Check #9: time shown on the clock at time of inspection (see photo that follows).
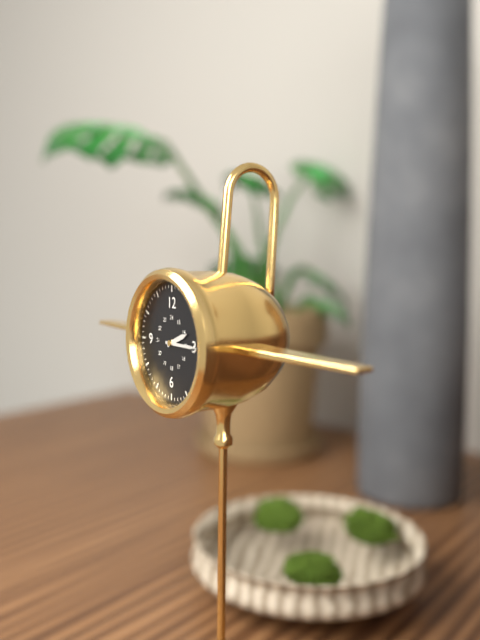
2:15
